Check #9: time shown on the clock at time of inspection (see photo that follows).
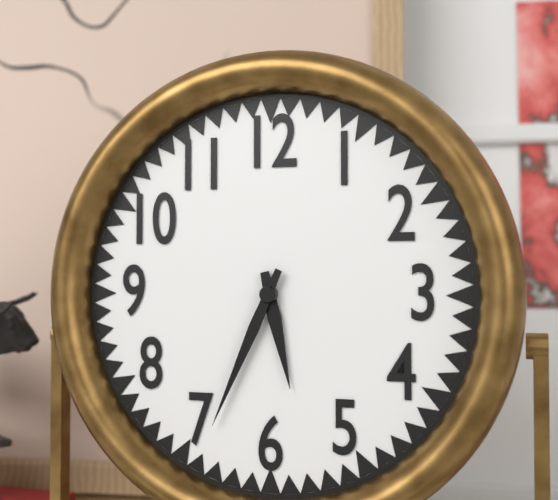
5:34
